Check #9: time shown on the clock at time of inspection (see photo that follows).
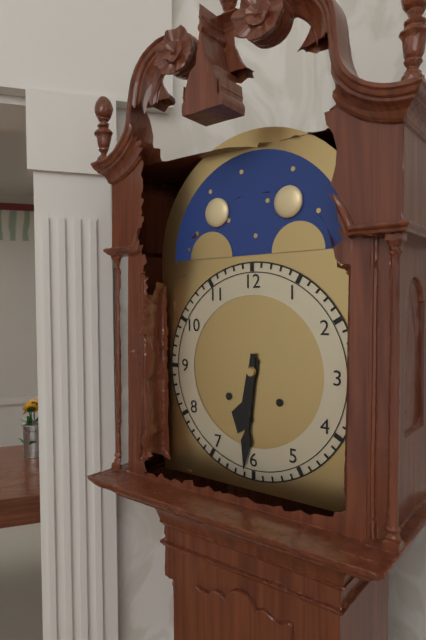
6:31
